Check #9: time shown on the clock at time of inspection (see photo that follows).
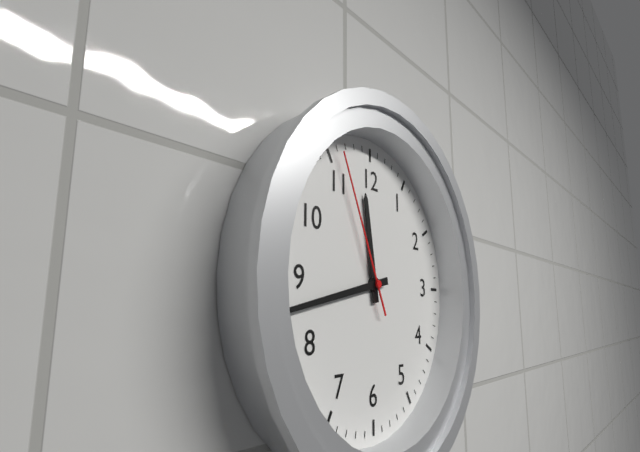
11:43:56
